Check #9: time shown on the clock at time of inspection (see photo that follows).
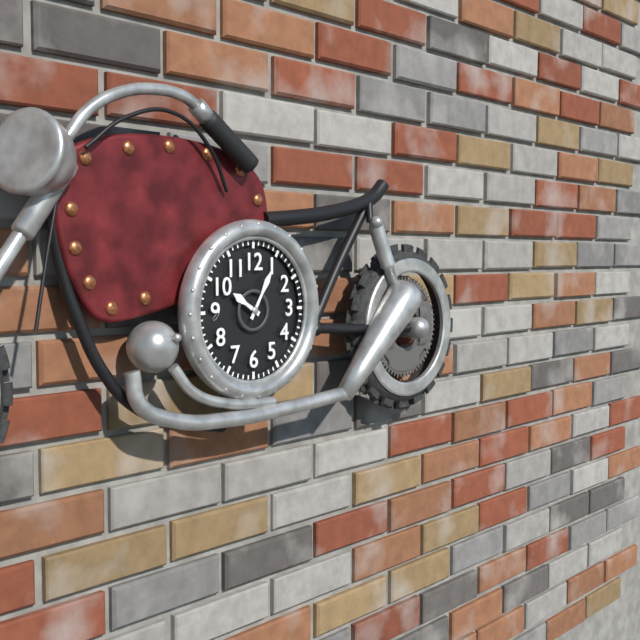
10:05
